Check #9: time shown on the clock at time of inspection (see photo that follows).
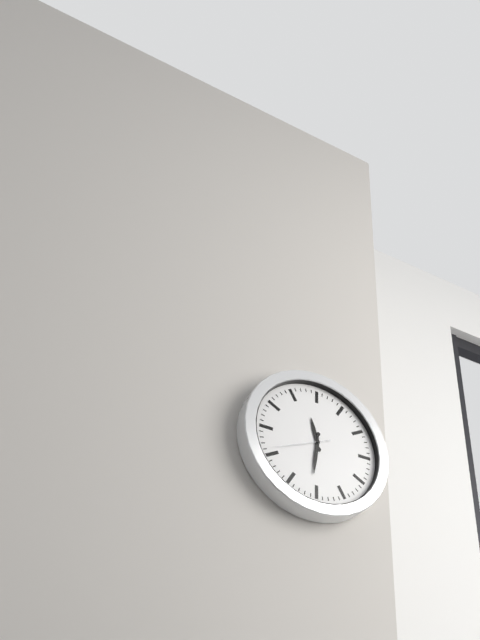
11:31
